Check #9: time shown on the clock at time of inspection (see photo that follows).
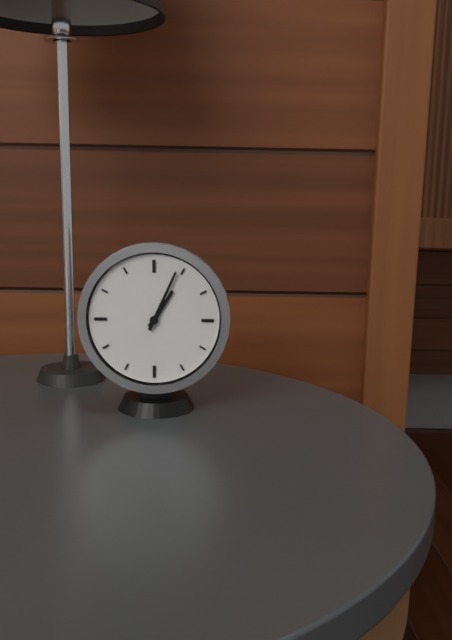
1:04
